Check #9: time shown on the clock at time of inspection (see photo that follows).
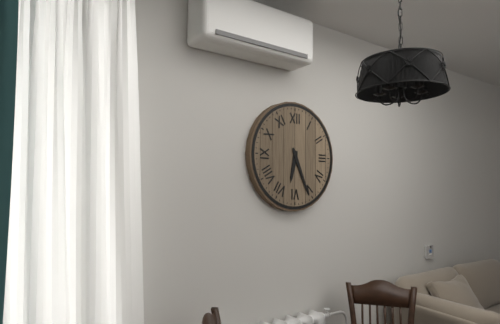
6:26
